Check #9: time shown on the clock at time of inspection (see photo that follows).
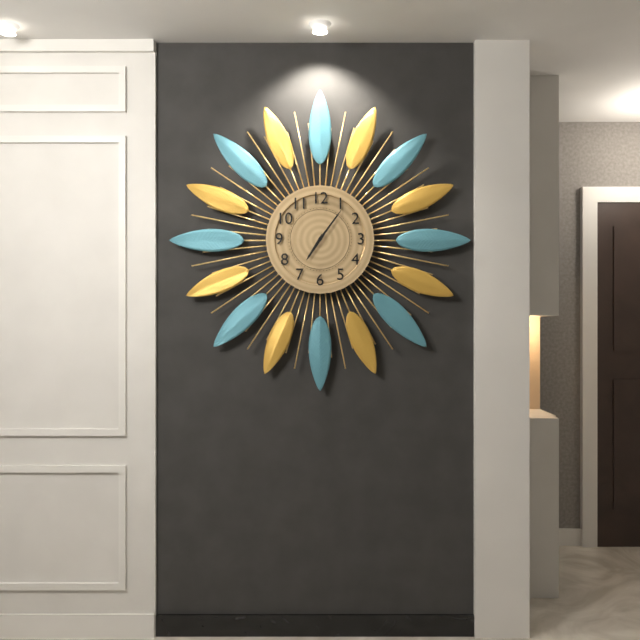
7:06
